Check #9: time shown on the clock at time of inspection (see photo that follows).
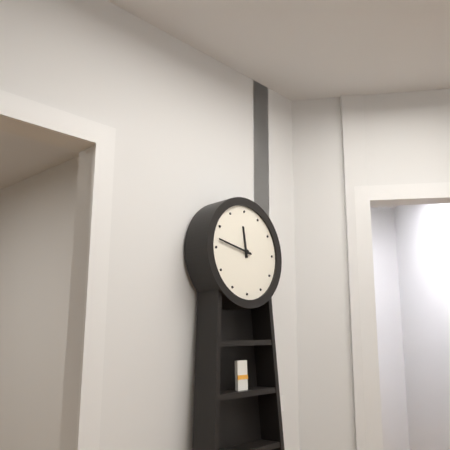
11:47
